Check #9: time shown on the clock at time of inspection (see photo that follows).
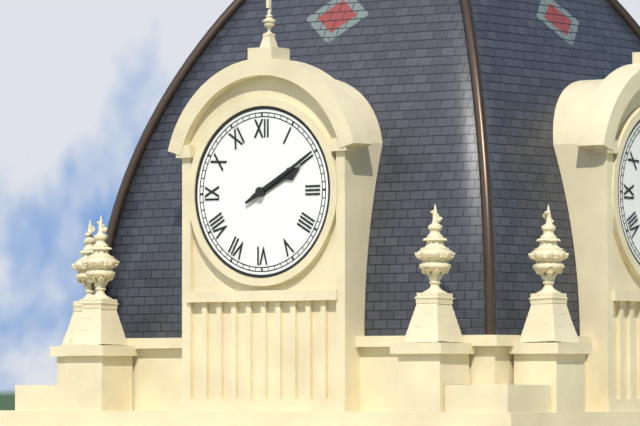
2:10
